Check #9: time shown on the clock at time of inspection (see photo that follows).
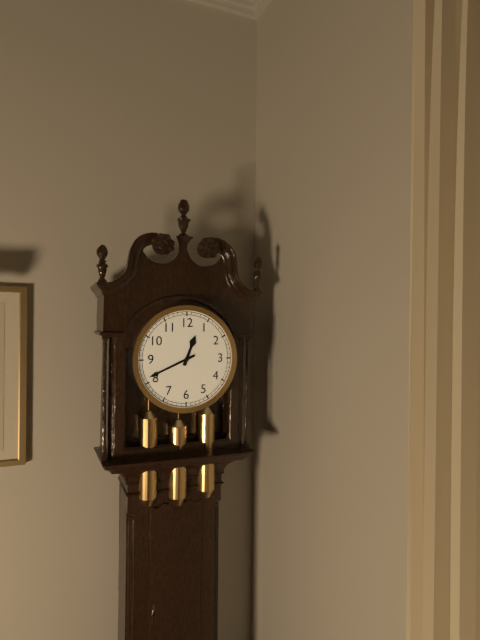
12:41
